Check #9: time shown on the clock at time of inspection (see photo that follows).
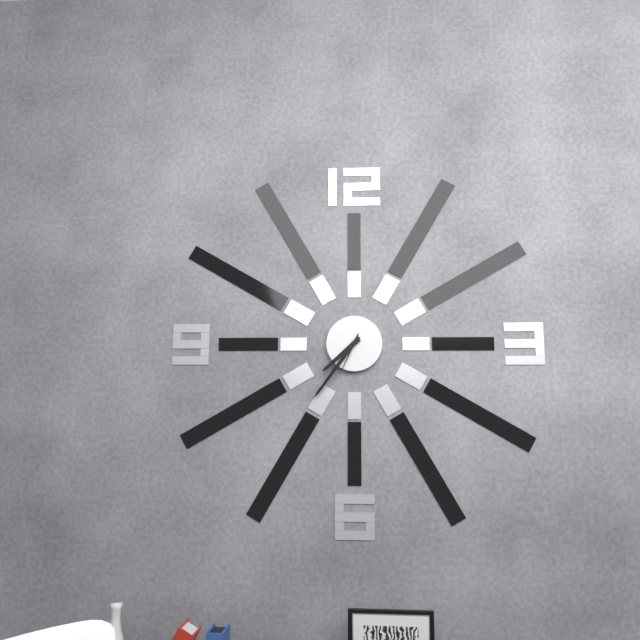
7:36
